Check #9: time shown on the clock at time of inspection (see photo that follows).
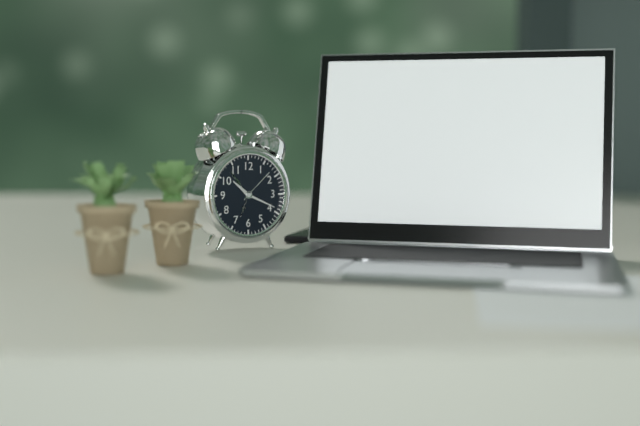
10:19
